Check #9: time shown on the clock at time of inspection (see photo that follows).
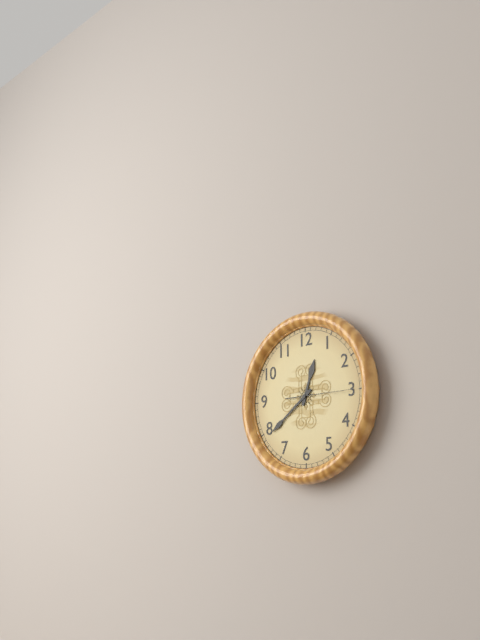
12:39:15
